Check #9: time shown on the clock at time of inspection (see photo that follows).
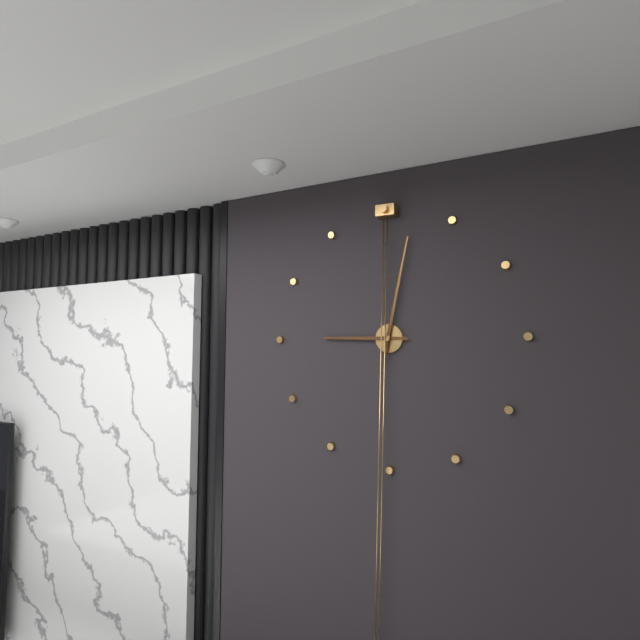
9:02
